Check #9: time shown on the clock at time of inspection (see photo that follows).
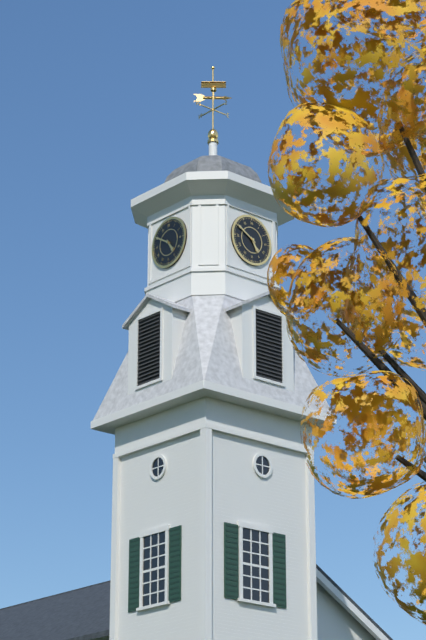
4:50
